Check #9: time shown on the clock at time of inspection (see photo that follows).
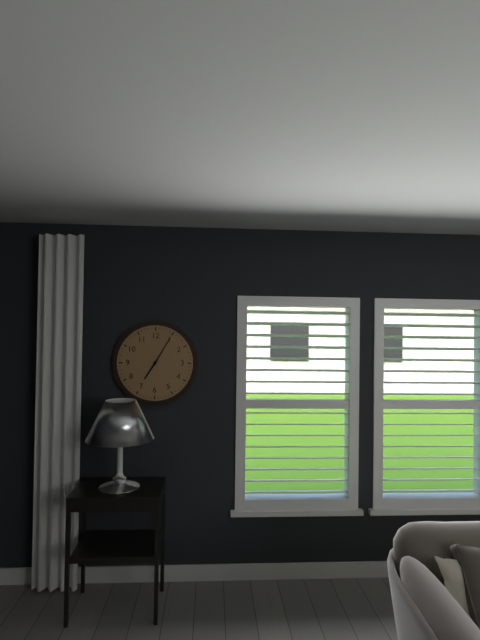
7:05
